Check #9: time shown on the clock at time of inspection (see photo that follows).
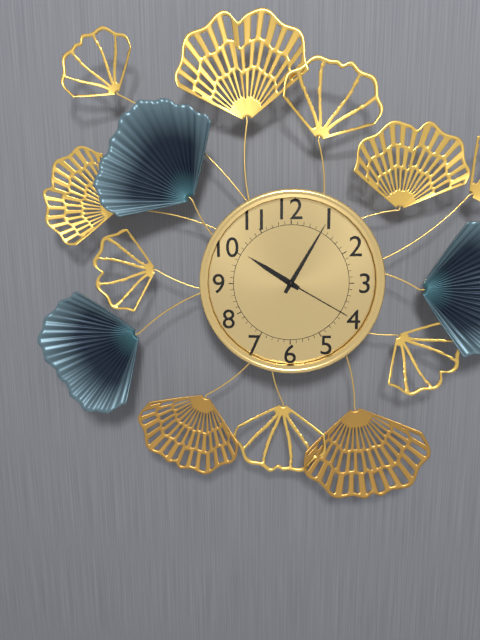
10:05:20
